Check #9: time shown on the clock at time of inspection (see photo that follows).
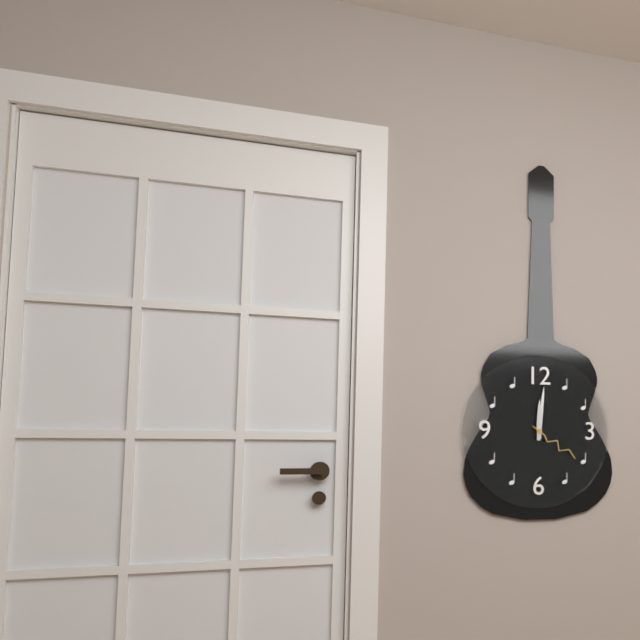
12:01:21
